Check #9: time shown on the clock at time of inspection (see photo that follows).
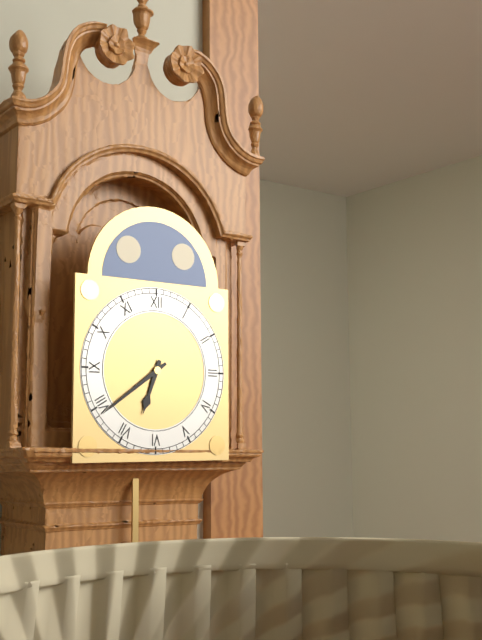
6:39
